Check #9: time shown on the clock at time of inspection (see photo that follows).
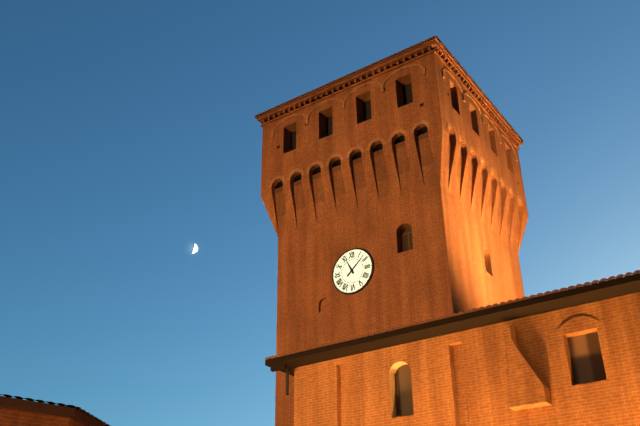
11:08
